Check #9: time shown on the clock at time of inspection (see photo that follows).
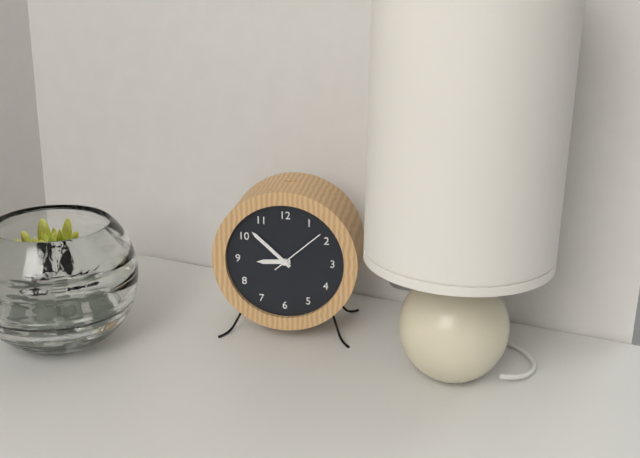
8:52:08
